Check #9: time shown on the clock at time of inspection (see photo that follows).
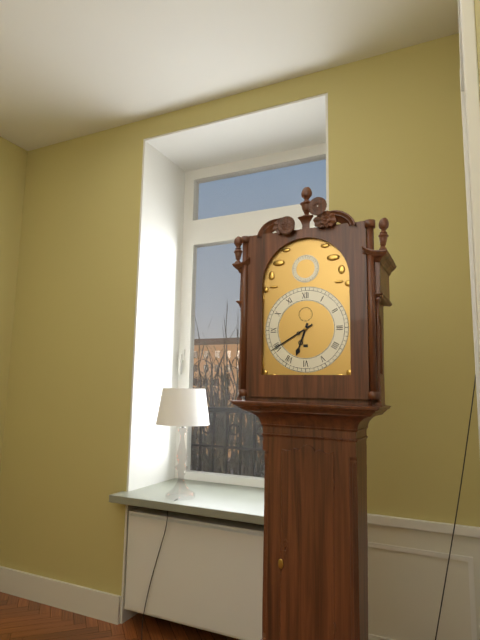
6:40
